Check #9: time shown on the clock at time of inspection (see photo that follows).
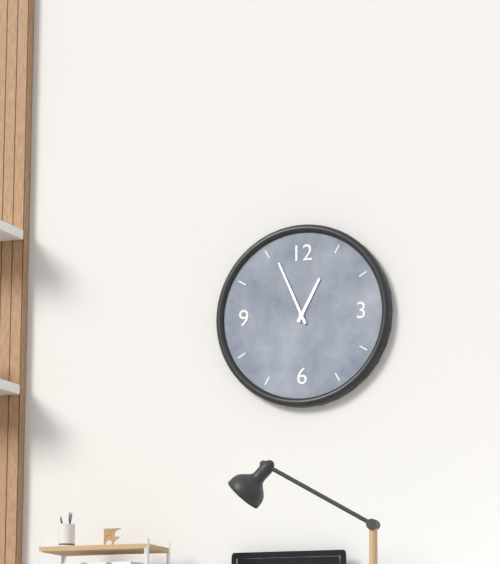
12:56
